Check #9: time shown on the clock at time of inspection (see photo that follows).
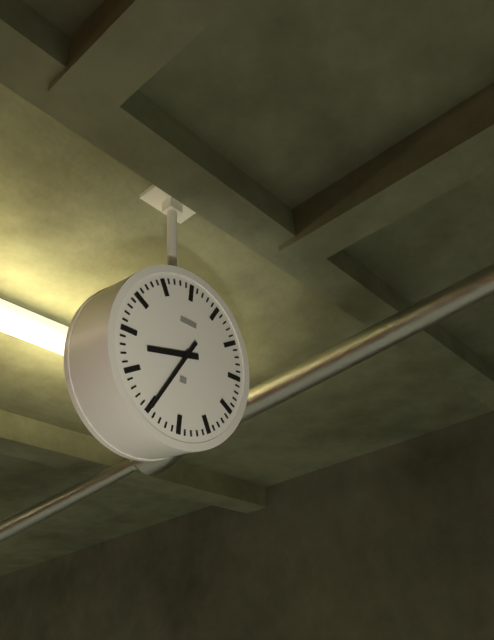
8:35
